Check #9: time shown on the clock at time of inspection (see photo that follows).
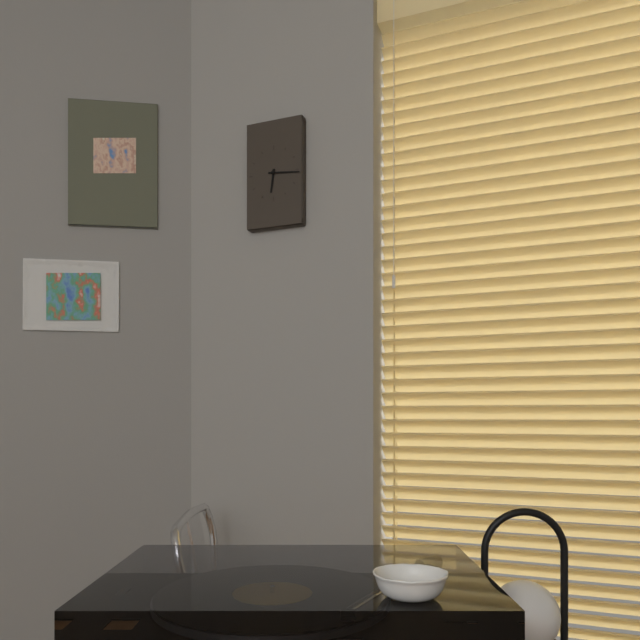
6:16
